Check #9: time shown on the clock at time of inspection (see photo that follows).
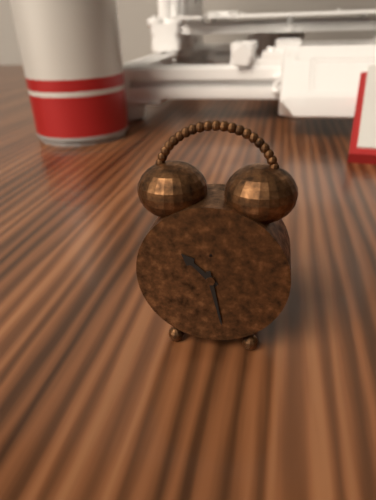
10:28
